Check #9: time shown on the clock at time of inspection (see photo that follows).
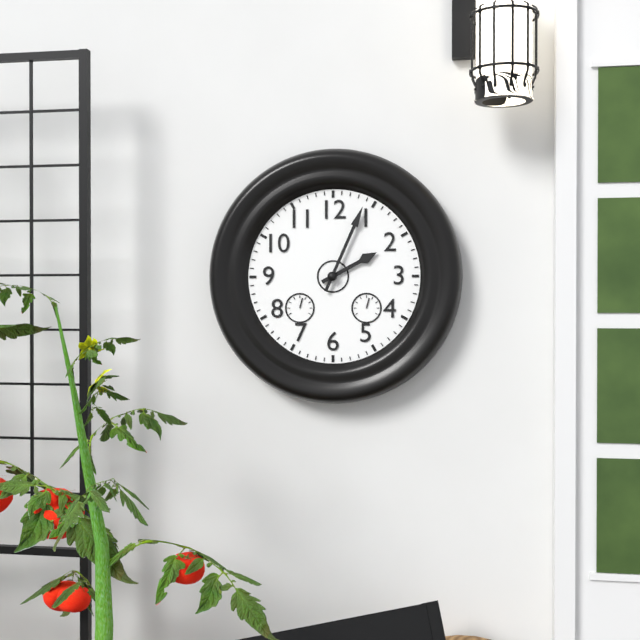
2:04
